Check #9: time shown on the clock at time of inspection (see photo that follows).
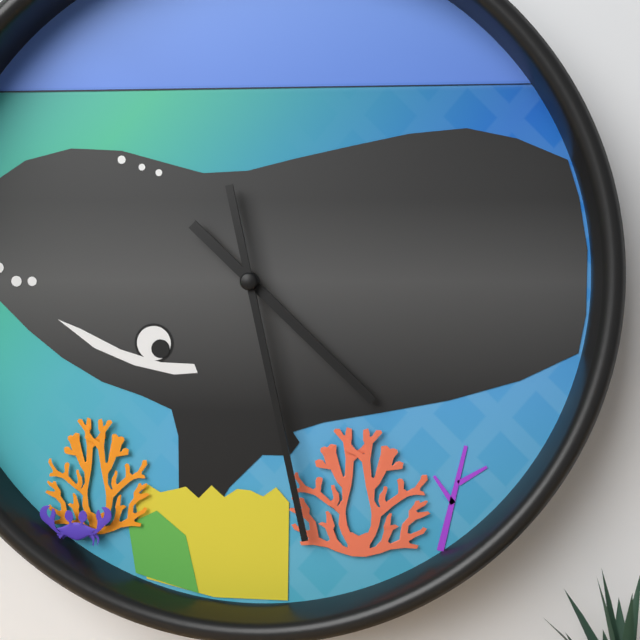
4:28
